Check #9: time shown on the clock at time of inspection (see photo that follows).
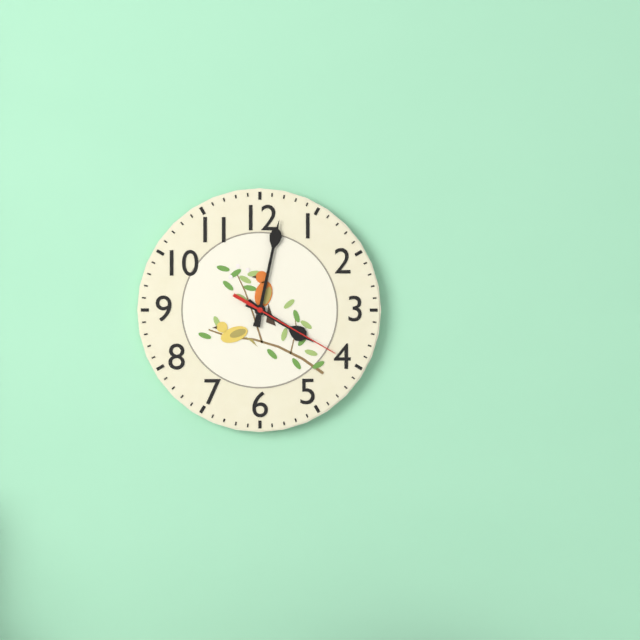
4:02:20
